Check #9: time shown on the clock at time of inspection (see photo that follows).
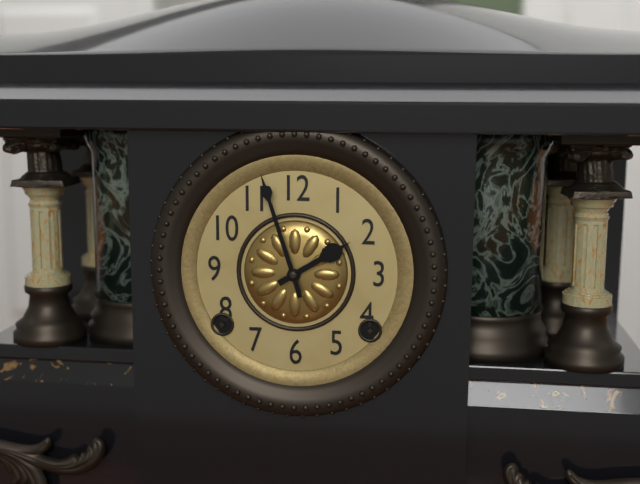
1:57
